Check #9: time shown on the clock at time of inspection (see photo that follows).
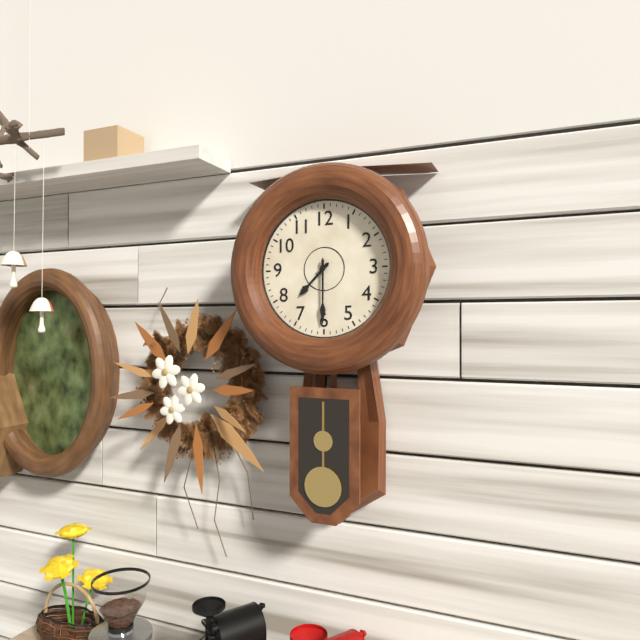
7:30
